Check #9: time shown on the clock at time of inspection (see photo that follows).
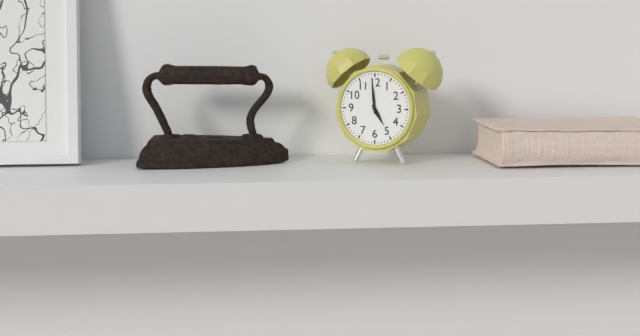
4:59
